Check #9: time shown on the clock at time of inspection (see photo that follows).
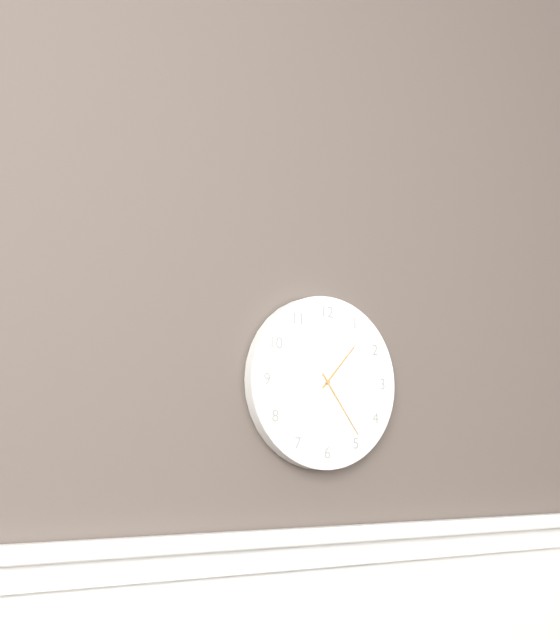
1:24
